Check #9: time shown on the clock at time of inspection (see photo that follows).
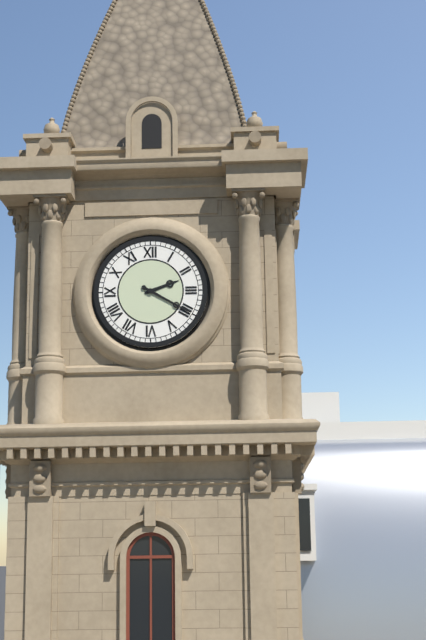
2:20
